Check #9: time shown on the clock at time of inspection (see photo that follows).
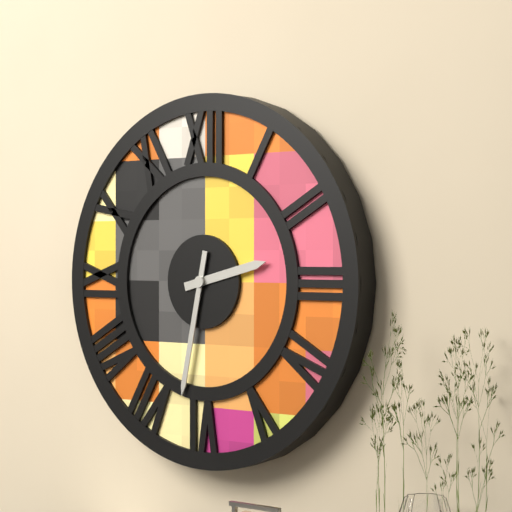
2:32
